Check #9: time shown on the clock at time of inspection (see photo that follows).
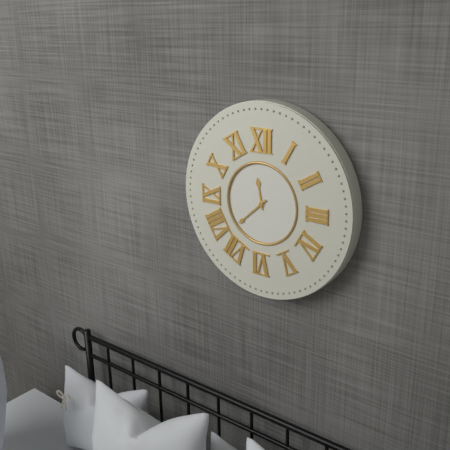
11:38
